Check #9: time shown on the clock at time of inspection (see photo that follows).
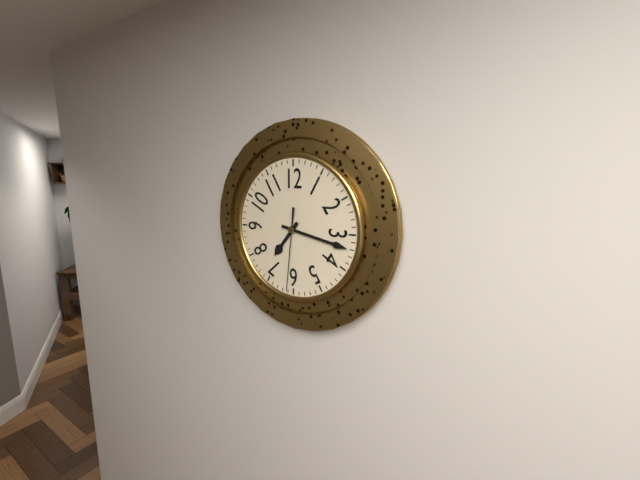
7:17:31
